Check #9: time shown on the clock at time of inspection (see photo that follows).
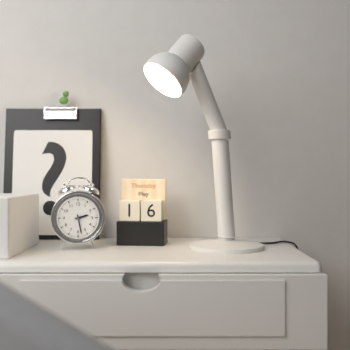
2:28
